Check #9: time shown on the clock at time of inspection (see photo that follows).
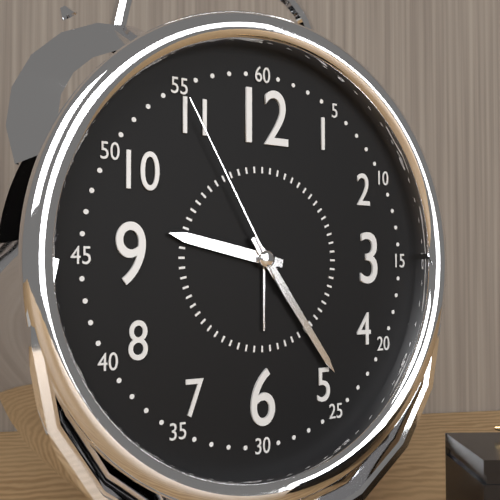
9:24:55
